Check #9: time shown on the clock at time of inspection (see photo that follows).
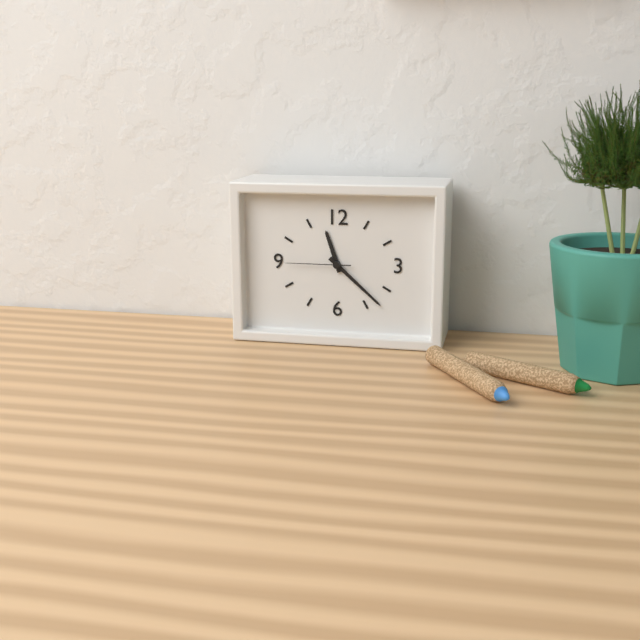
11:22:45
